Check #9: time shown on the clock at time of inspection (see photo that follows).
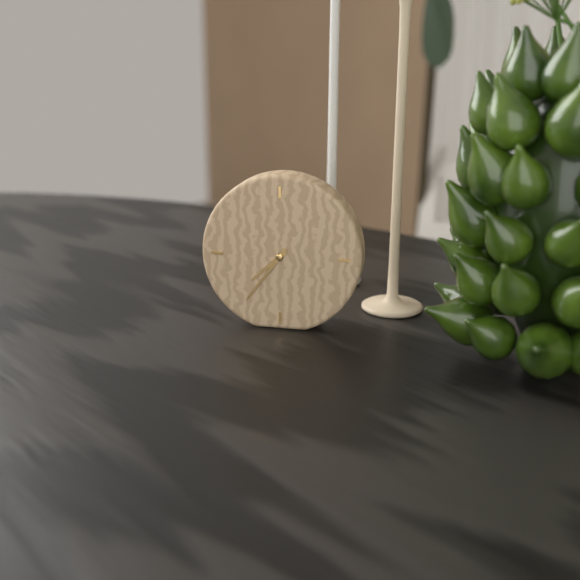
7:36
